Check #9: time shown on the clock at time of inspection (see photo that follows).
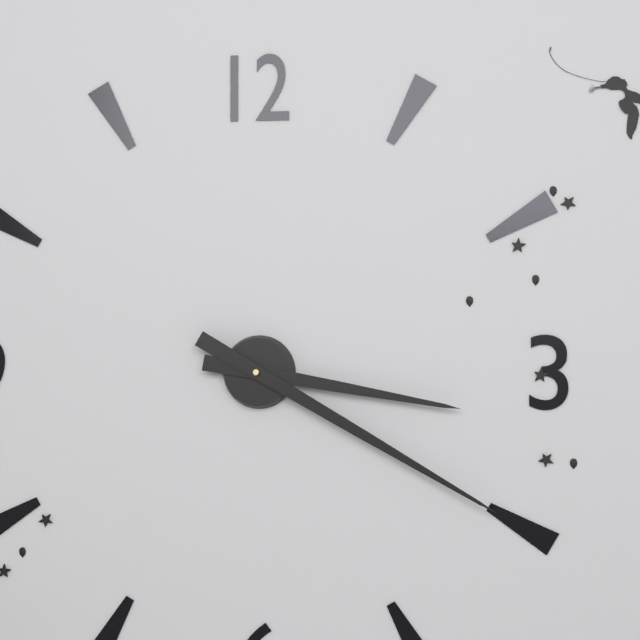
3:20
